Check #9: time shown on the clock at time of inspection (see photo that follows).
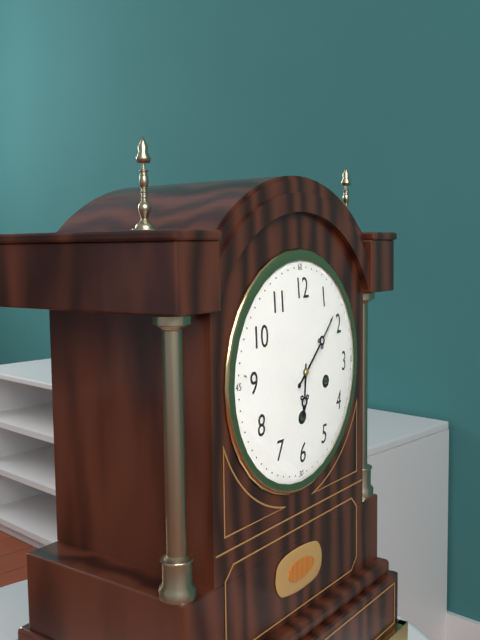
6:08
